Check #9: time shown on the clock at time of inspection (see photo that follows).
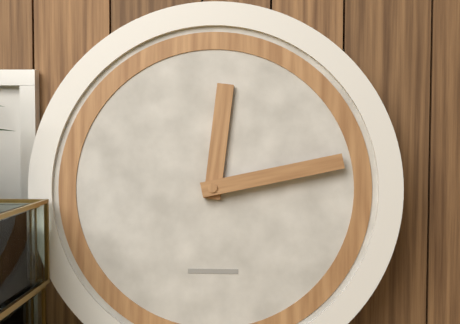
12:13
